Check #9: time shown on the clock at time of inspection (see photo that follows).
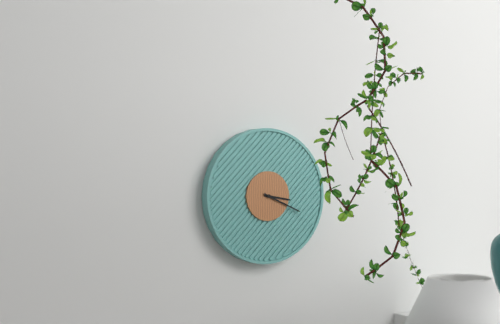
3:19
